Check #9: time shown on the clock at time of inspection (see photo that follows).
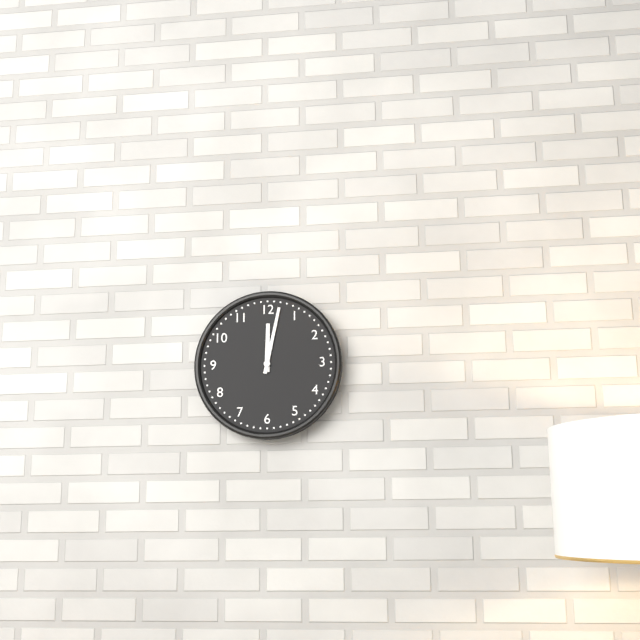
12:02
